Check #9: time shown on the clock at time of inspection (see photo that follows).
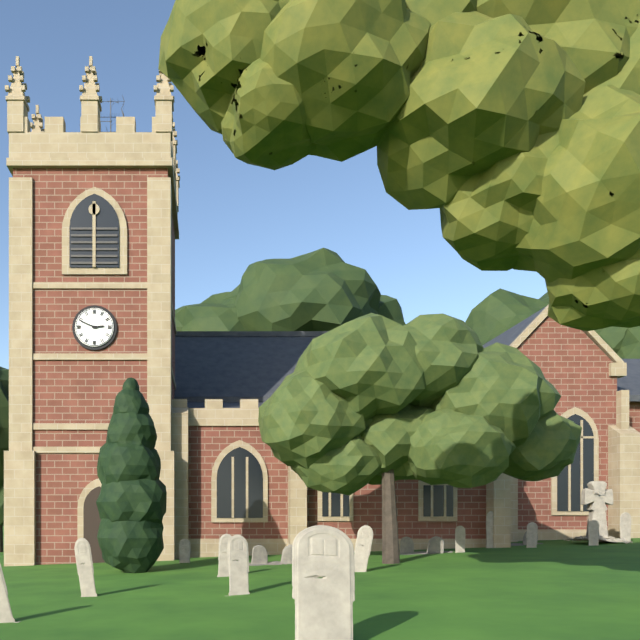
2:49
